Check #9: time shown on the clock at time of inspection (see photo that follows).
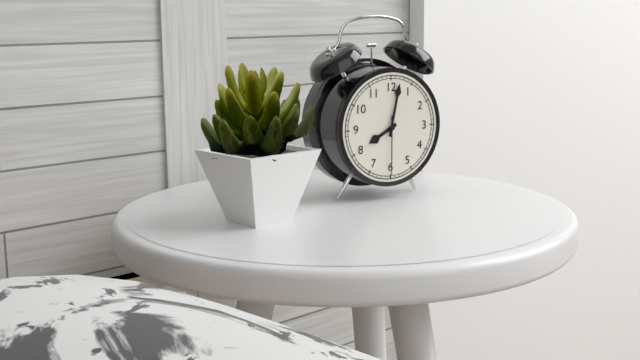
8:02:30
